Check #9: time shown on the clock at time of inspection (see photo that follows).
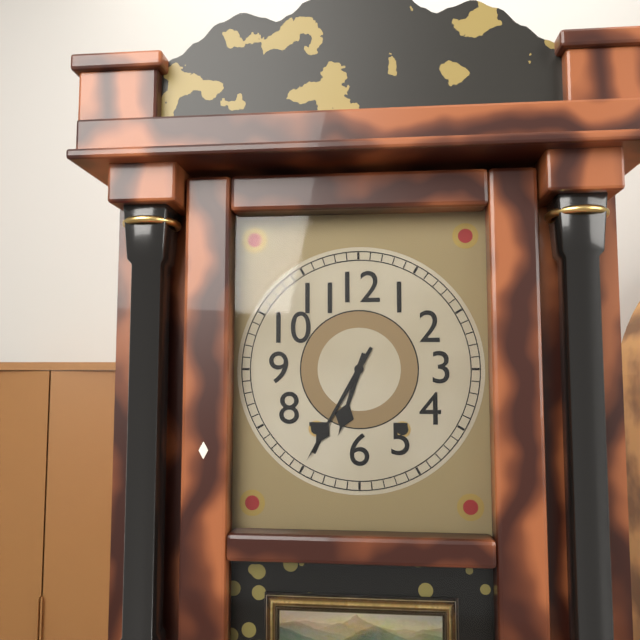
6:35
